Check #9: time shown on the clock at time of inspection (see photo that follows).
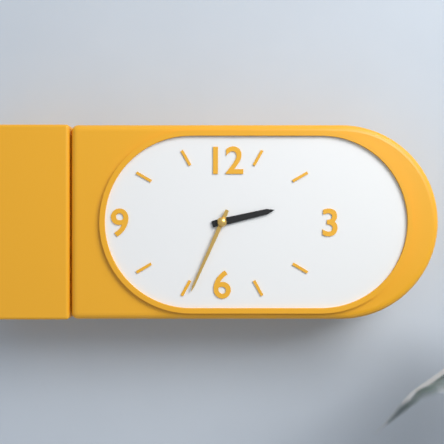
2:34
